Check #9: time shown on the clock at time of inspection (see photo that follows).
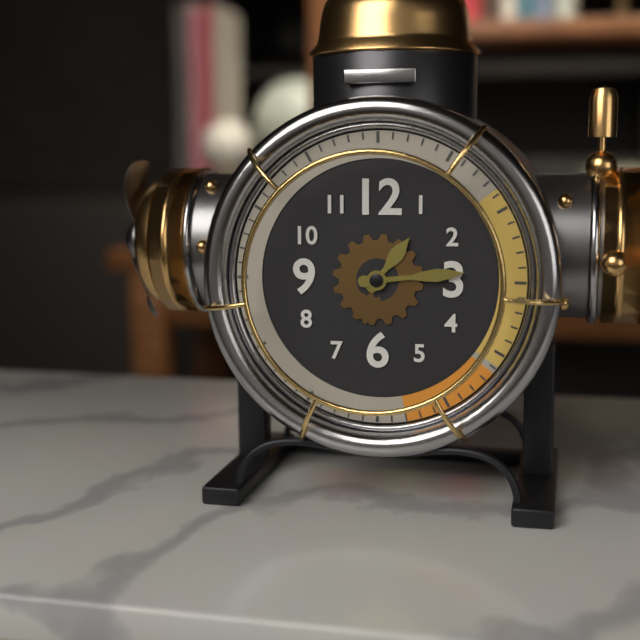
1:14
